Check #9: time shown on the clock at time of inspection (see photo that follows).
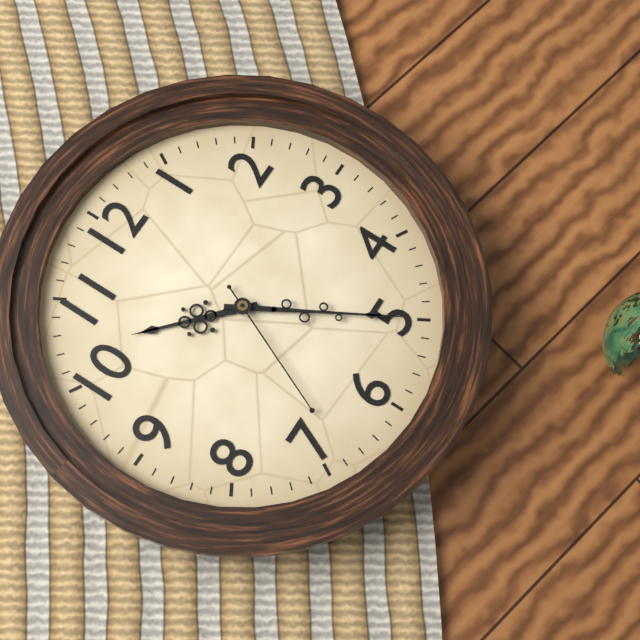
10:25:34
